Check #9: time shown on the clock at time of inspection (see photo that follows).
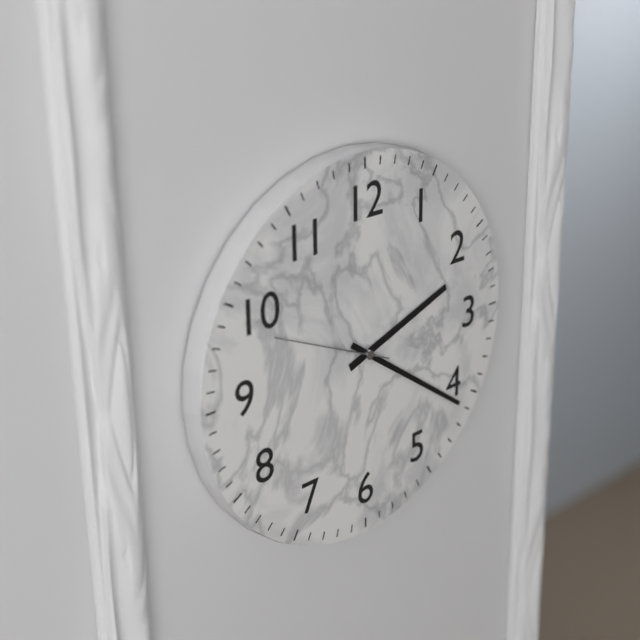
2:21:49
